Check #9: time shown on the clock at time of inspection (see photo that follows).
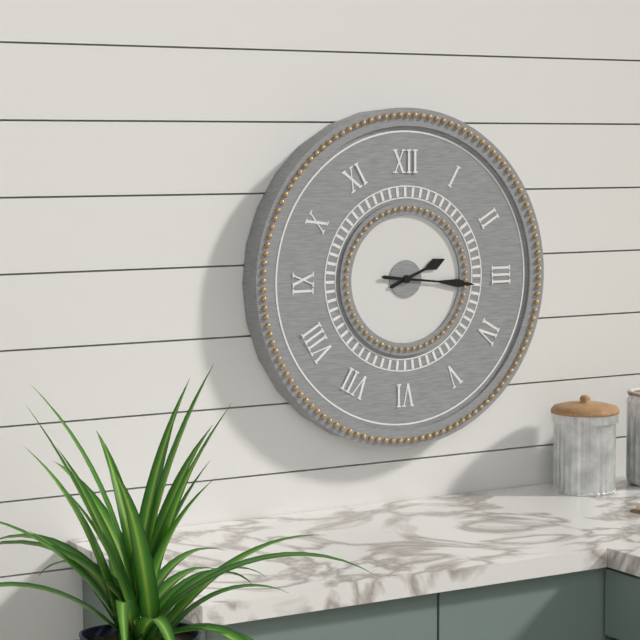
2:16
